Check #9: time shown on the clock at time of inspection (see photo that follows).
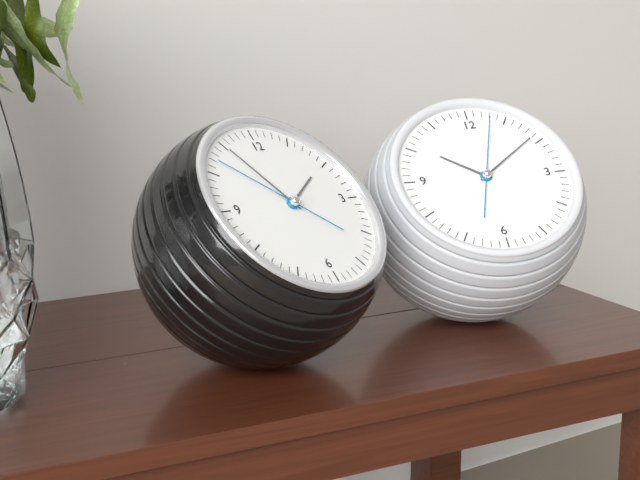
1:55:52
